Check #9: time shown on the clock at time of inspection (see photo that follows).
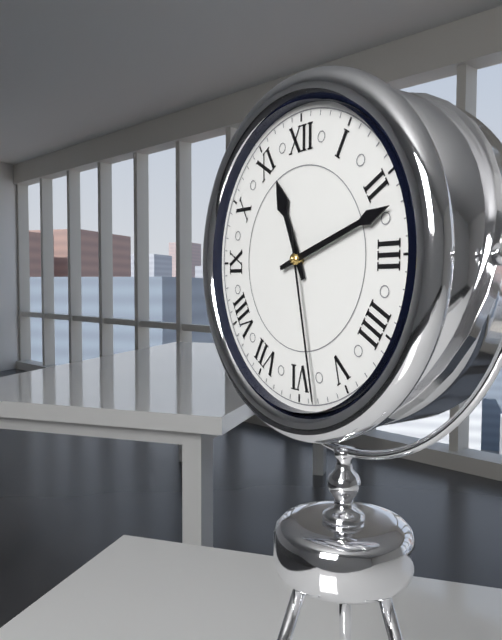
11:12:28
